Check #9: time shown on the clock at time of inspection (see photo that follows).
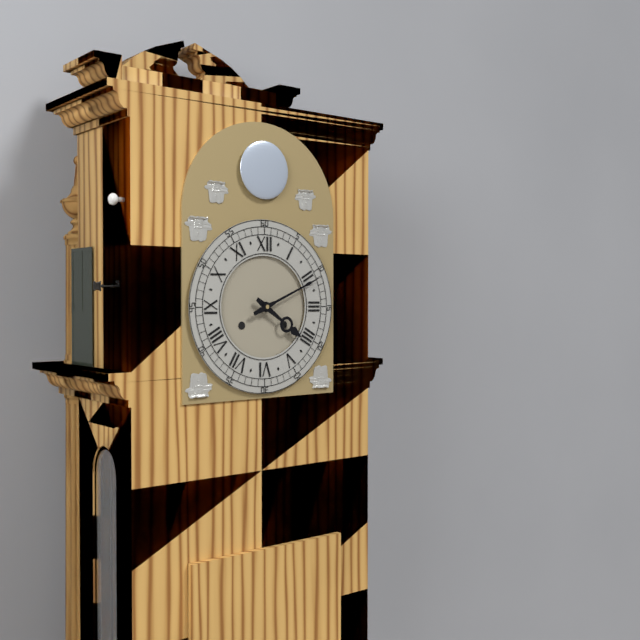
4:11
